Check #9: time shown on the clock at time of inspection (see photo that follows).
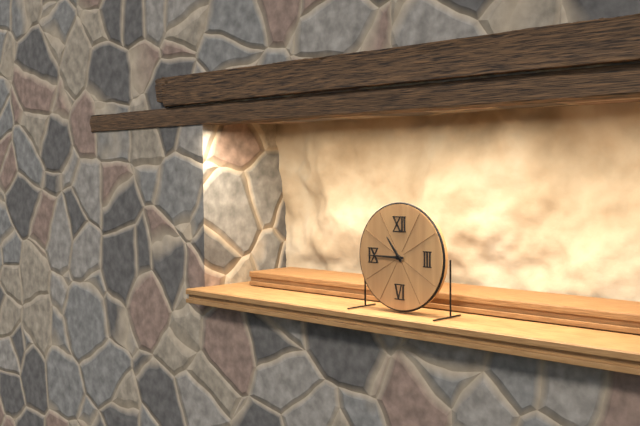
10:45
